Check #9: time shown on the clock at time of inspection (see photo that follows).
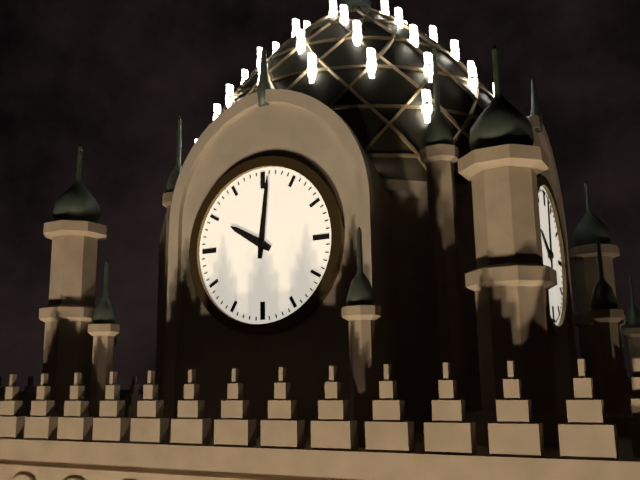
10:01
